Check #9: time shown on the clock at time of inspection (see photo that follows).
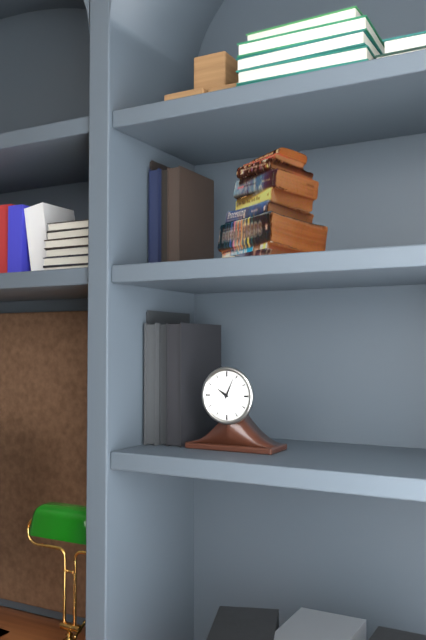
10:04
